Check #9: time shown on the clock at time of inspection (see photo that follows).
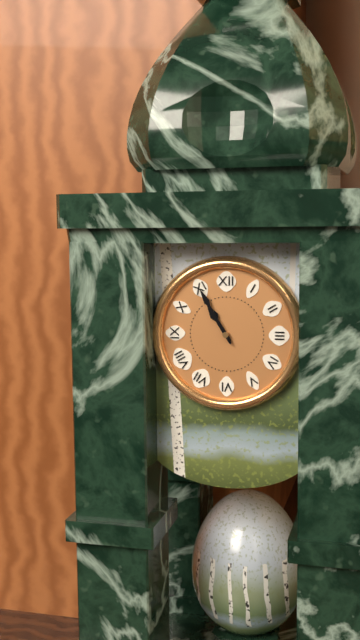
10:55
